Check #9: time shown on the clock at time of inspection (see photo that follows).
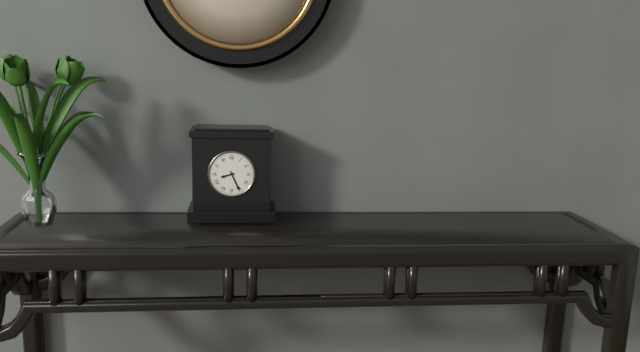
8:26
